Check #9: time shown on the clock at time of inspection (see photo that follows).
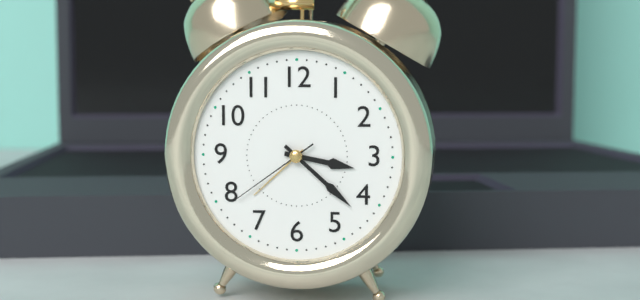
3:22:39
